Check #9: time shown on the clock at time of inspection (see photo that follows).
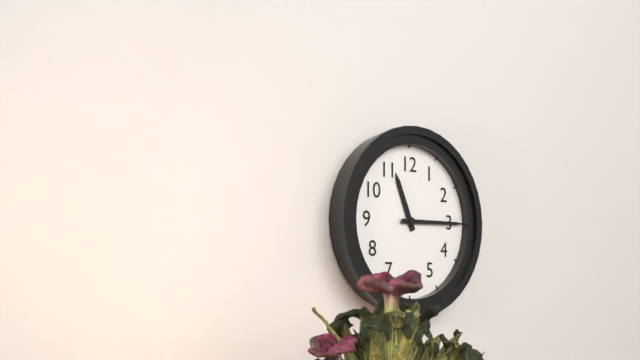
11:15
